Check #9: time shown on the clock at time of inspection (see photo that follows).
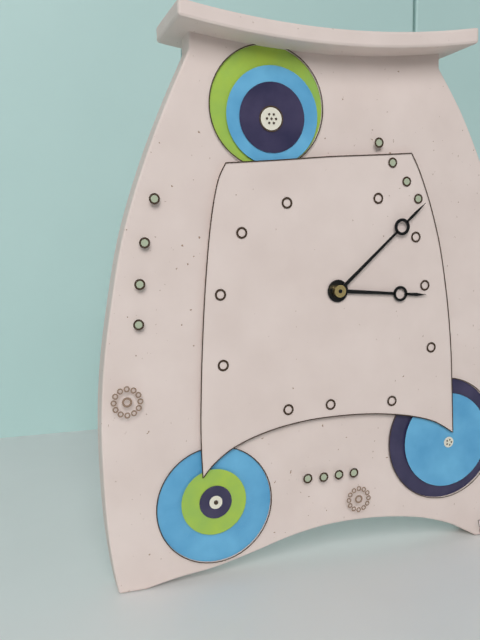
3:08
